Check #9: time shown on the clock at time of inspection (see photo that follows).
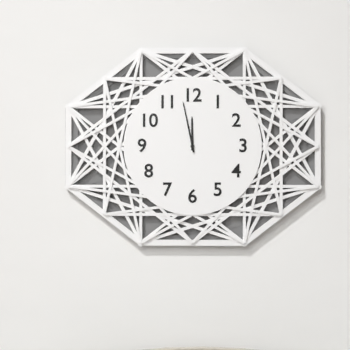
11:58
